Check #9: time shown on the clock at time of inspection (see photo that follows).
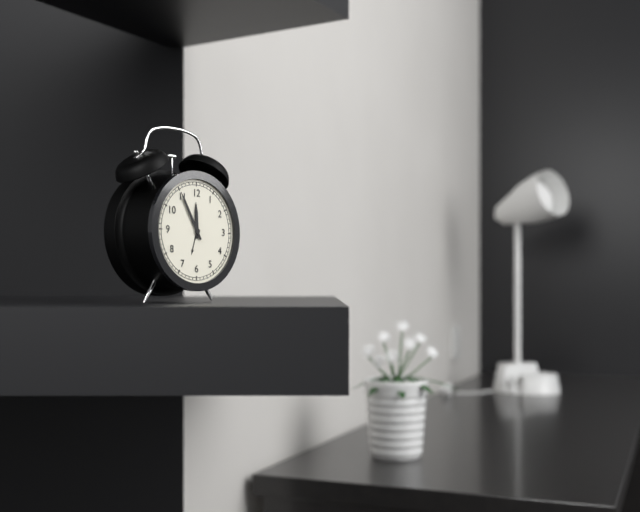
11:55
